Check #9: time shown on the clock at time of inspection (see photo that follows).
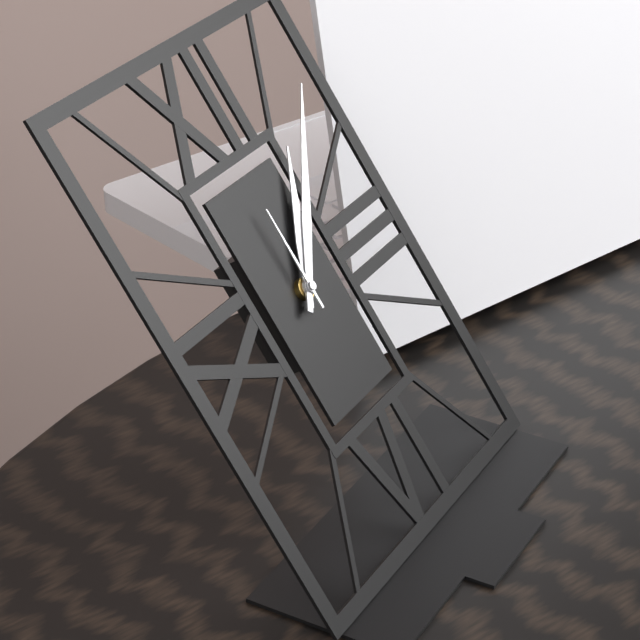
1:07:00
